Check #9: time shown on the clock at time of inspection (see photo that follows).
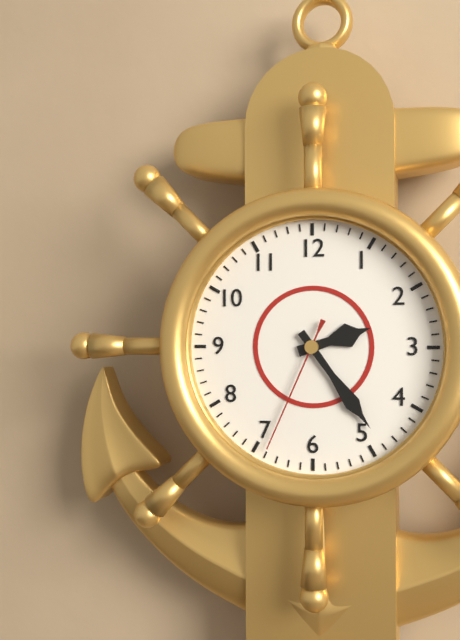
2:24:34
